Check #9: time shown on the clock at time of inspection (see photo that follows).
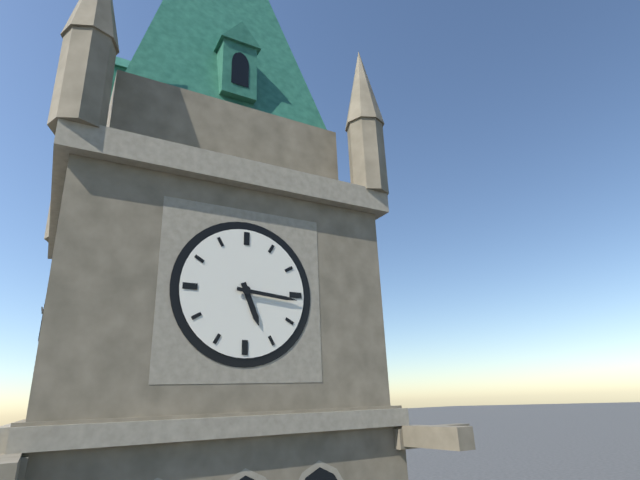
5:16
